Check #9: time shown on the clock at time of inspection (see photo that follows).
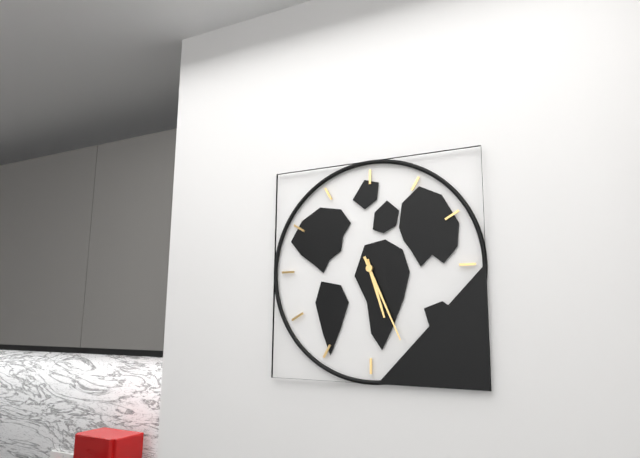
5:26
